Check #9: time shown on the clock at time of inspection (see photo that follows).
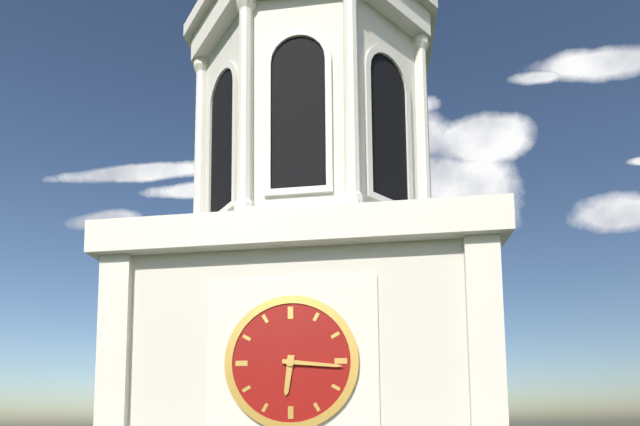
6:16
